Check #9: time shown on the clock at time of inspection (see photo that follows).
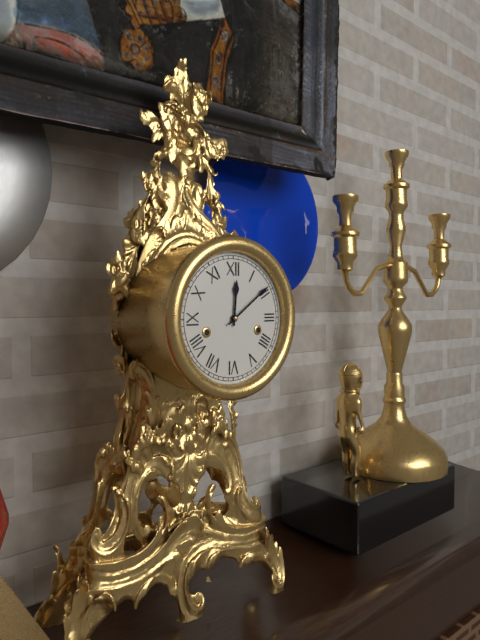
12:09
